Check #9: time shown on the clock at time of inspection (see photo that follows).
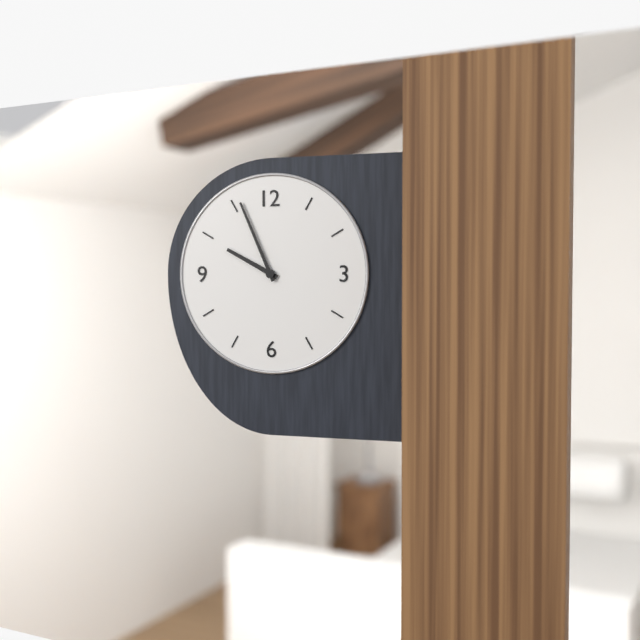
9:56
